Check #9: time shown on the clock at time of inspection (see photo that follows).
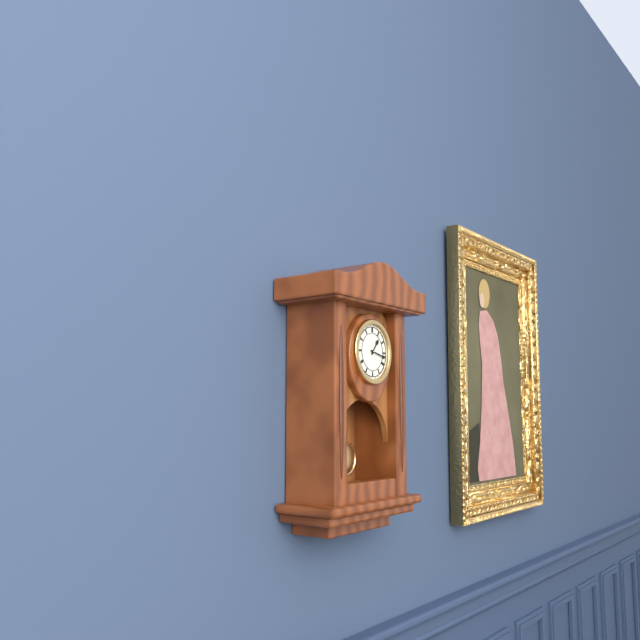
1:17
